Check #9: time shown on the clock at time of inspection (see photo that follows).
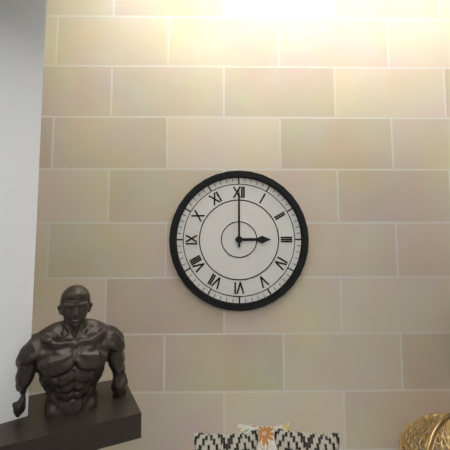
3:00
